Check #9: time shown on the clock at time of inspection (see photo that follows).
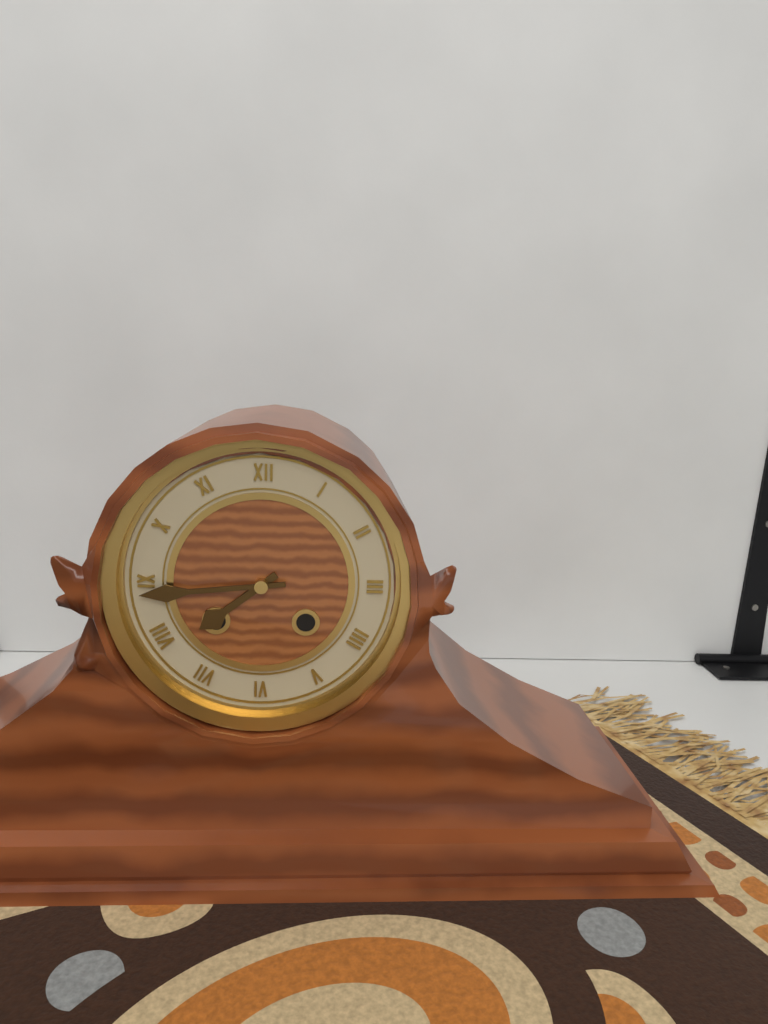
7:44
